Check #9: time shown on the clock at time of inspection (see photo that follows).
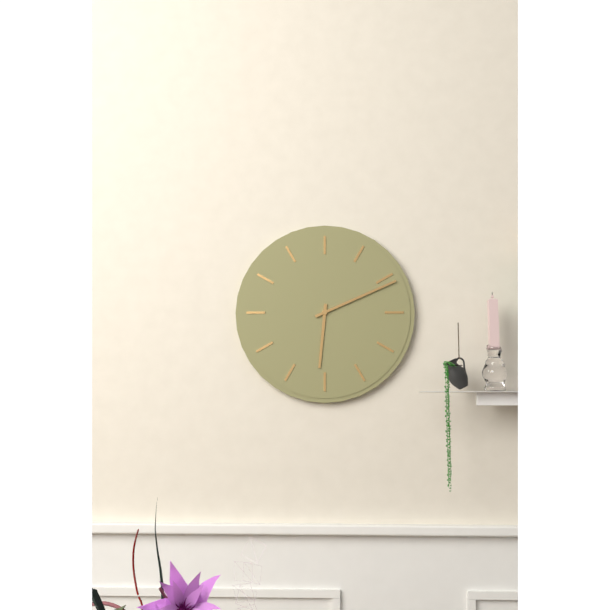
6:11
